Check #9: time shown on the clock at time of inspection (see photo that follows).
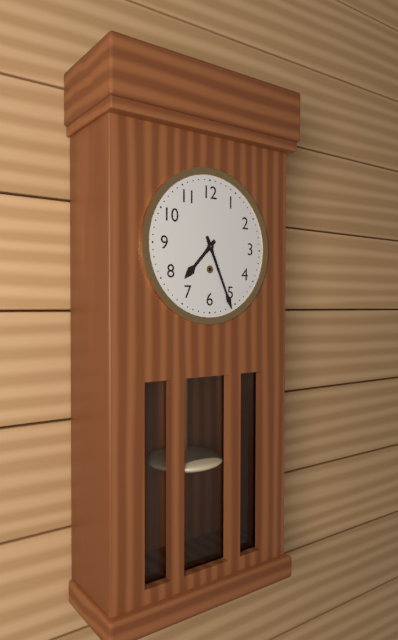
7:26
